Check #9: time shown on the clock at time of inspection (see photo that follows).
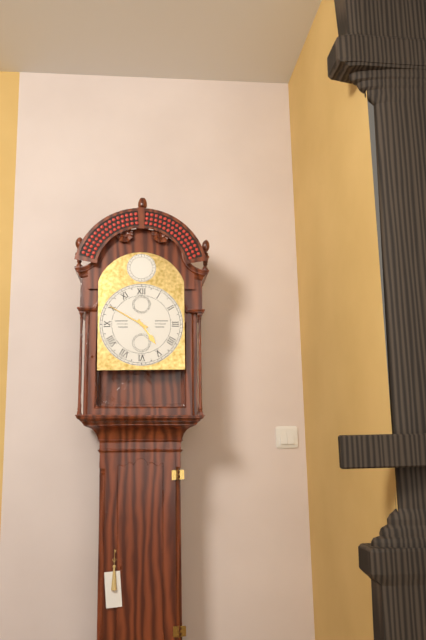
4:50
